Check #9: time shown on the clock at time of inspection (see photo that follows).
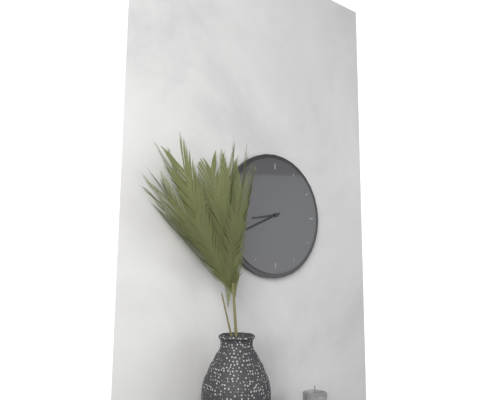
8:41
